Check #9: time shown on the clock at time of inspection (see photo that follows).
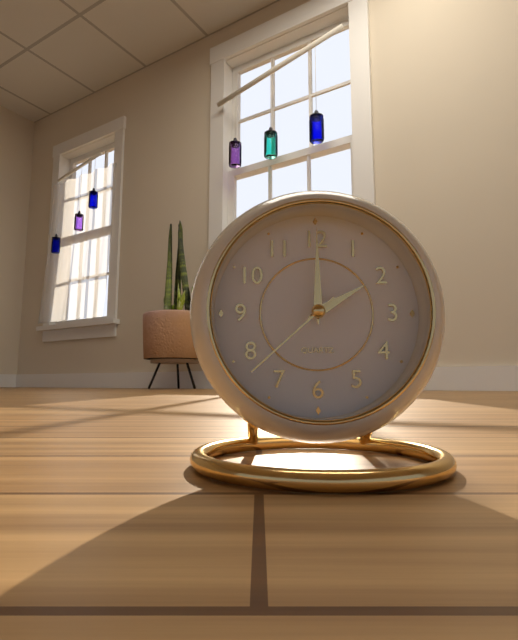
2:00:38
